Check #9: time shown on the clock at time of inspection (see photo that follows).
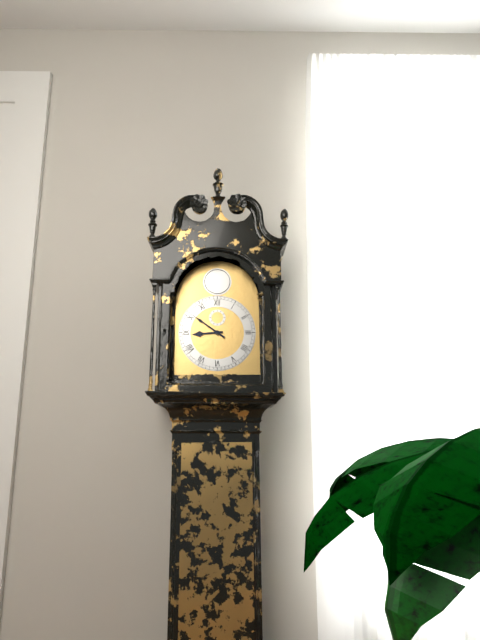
8:51
